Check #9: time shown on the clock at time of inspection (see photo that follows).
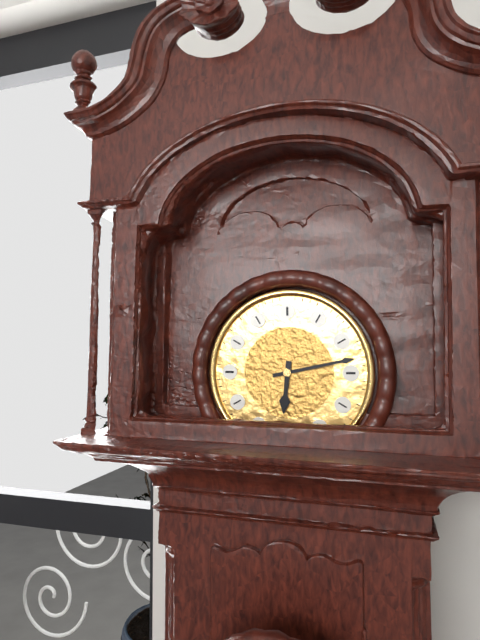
6:13
